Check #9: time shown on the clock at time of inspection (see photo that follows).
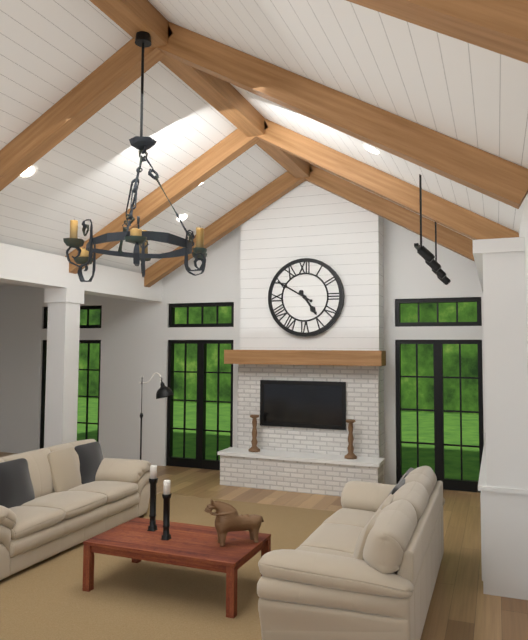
4:50
